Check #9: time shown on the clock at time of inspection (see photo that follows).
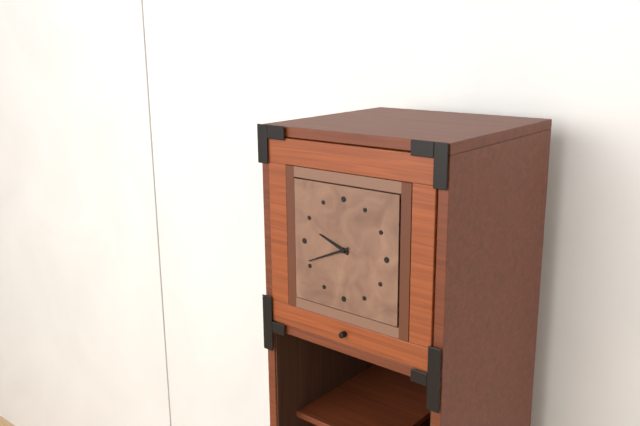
9:41
